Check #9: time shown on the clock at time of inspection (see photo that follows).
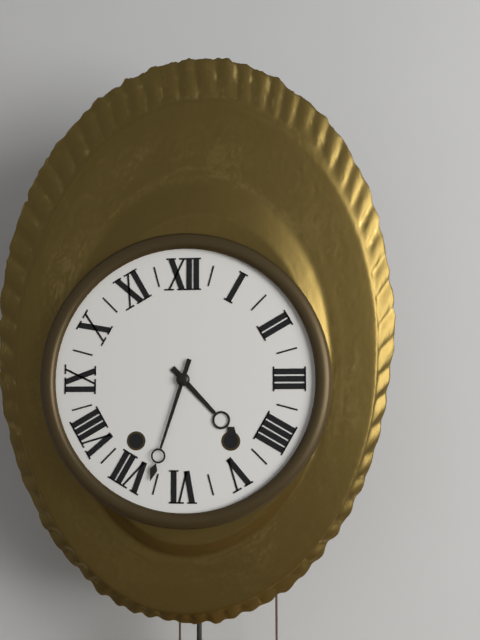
4:33
